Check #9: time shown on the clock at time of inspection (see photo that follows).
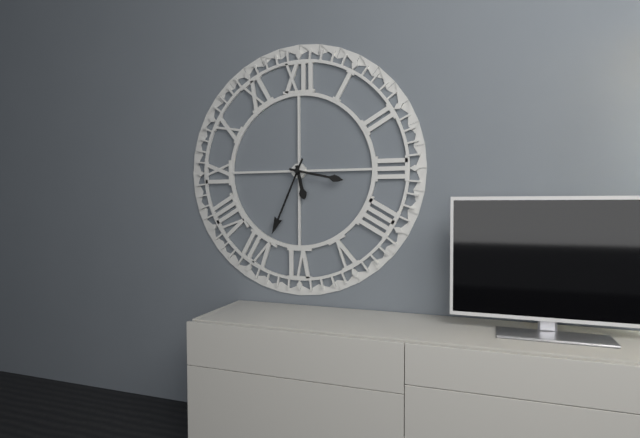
5:34:17
